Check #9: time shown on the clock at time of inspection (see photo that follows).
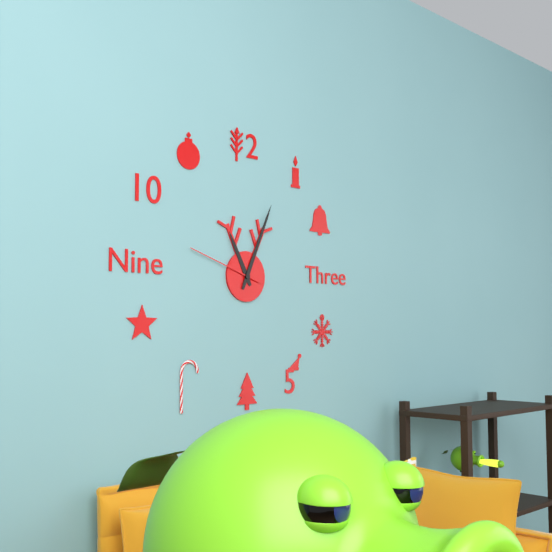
11:04:48
